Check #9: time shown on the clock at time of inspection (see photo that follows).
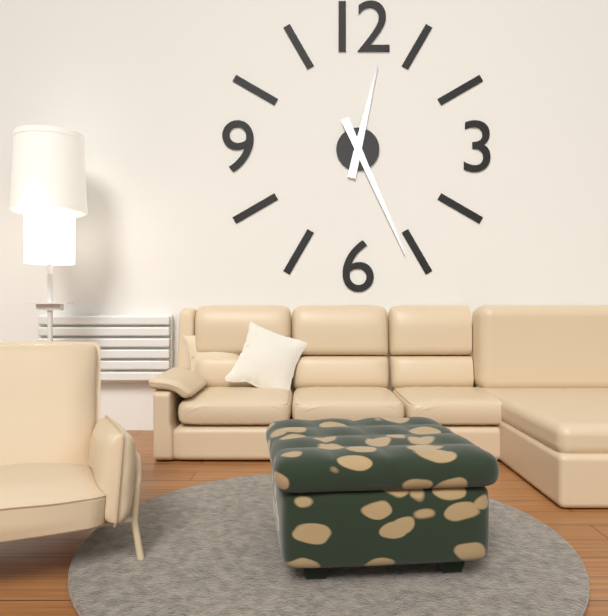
12:26
